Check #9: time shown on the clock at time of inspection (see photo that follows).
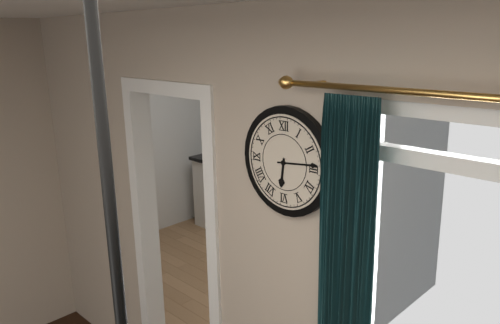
6:14
